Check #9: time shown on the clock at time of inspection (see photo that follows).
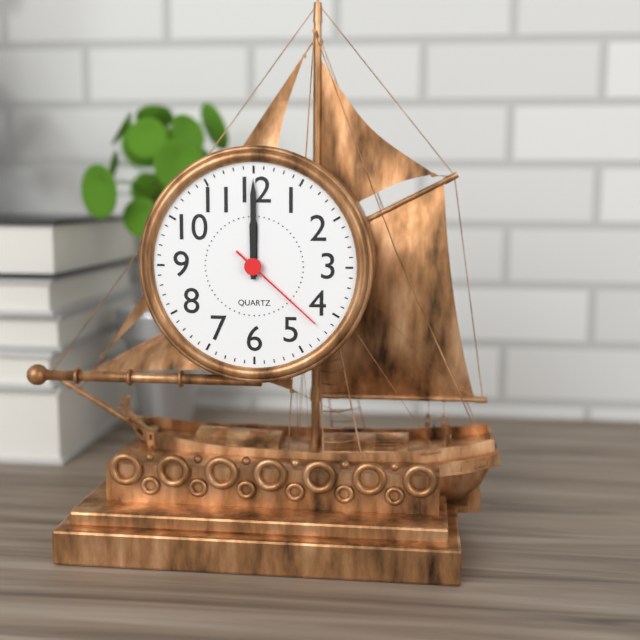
12:00:22
